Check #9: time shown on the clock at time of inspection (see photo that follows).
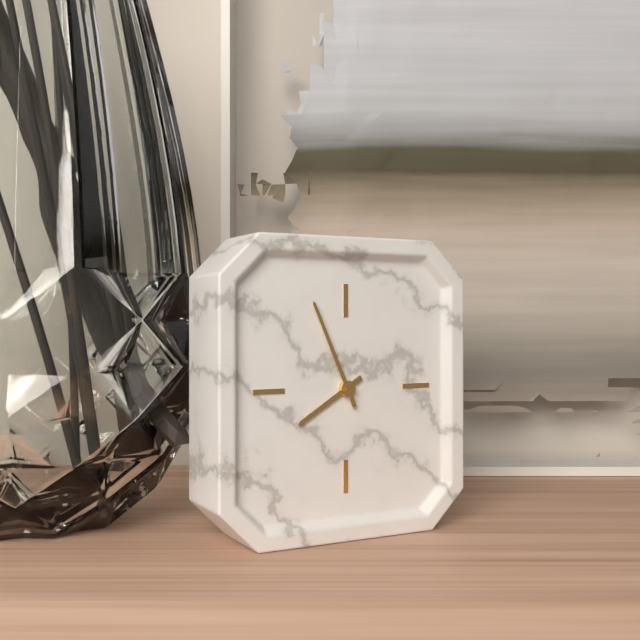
7:56
